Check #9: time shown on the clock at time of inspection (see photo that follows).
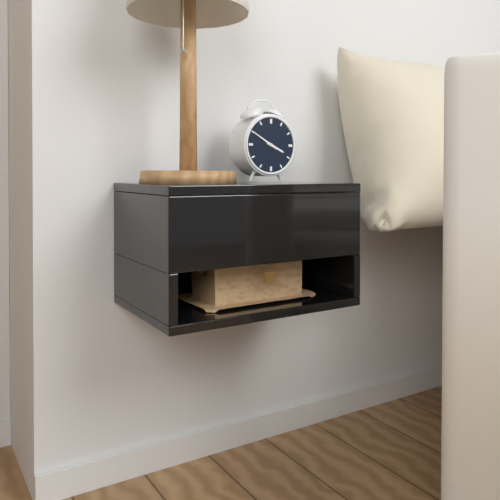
3:50
